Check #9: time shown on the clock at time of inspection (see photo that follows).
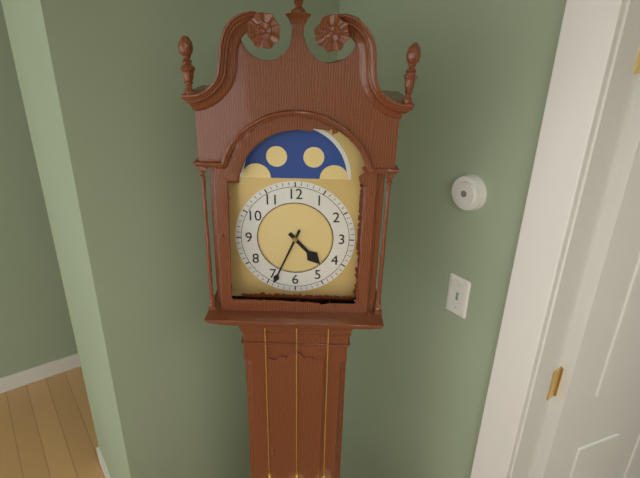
4:34
